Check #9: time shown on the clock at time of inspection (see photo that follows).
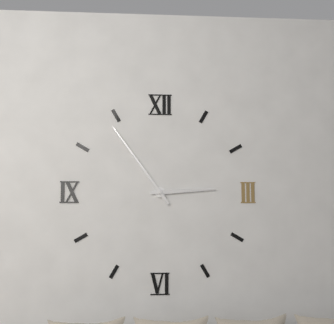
2:54
